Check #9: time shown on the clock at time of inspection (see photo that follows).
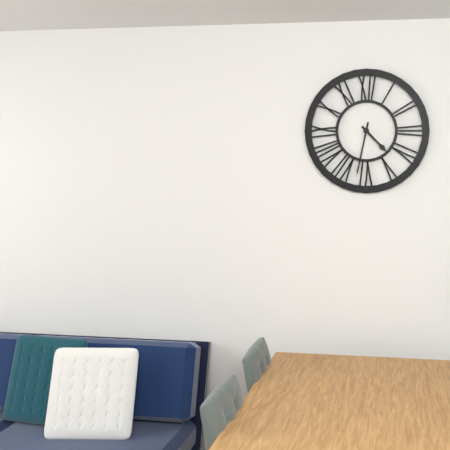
4:32
